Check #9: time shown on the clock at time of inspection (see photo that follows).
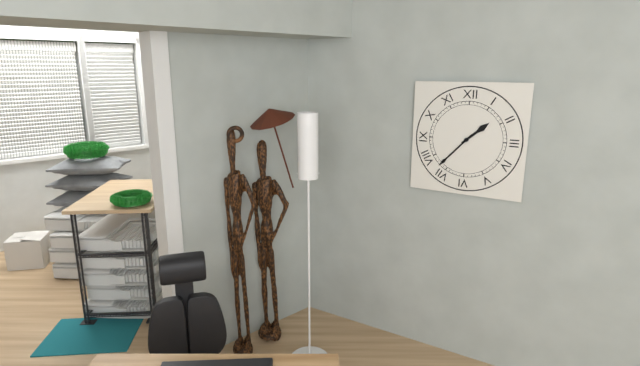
1:37
